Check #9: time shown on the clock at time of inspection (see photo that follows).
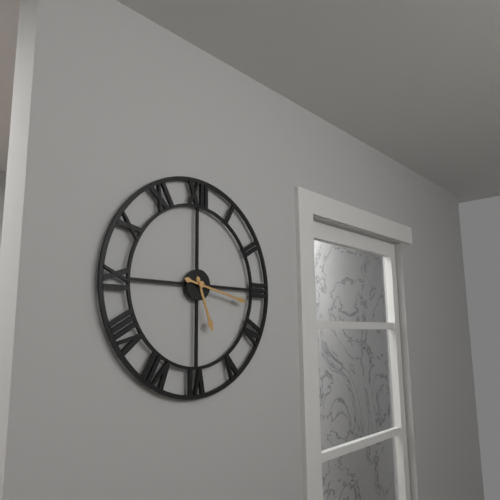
5:17
